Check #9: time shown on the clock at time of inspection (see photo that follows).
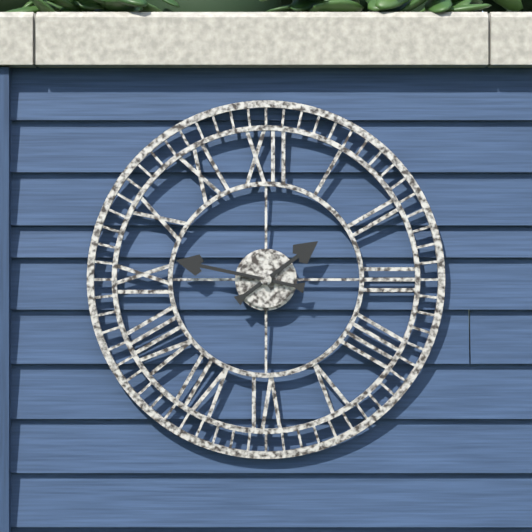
1:47
